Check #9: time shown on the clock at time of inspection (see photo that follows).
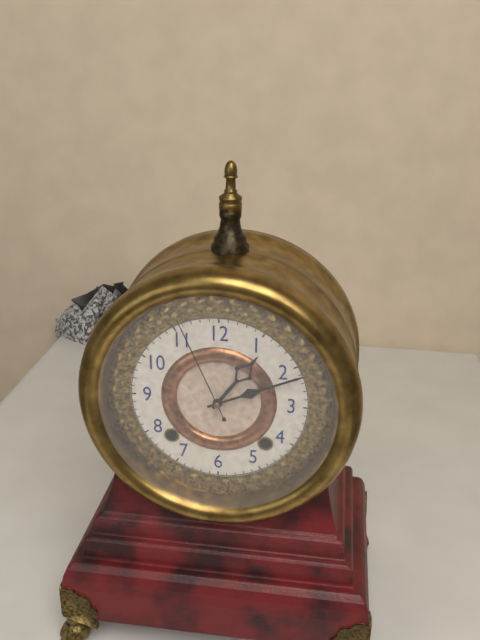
1:11:56
